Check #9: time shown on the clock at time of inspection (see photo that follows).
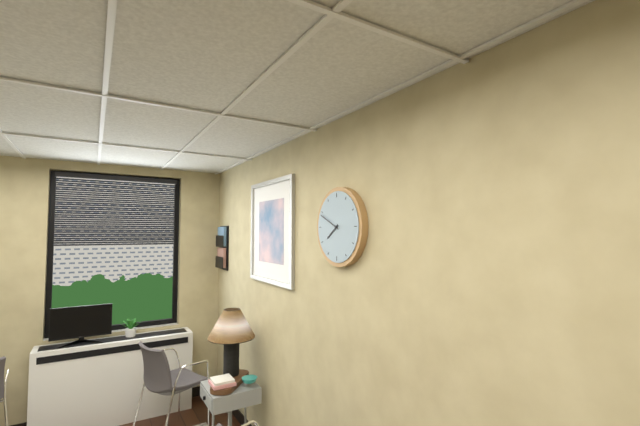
7:49
